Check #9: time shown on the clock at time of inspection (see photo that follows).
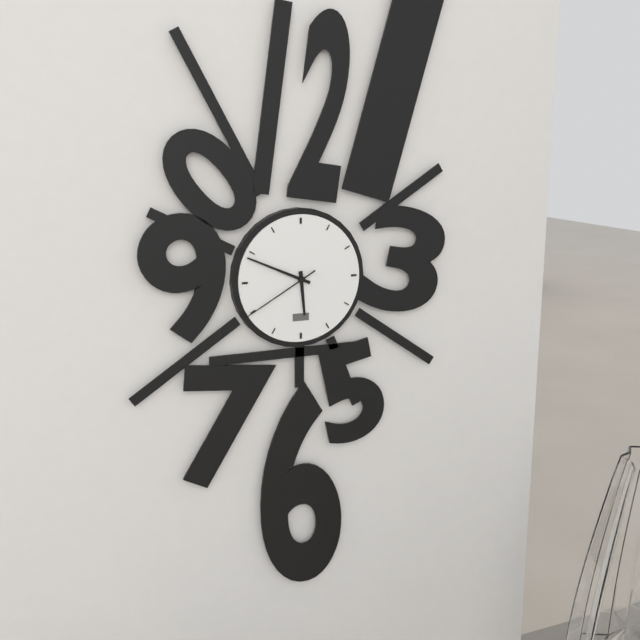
5:49:40
